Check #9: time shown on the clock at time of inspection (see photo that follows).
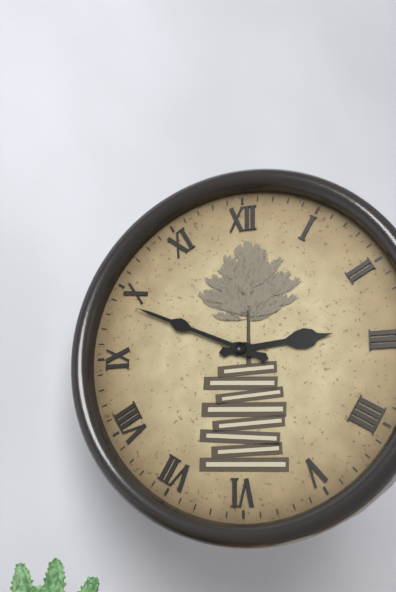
2:49
